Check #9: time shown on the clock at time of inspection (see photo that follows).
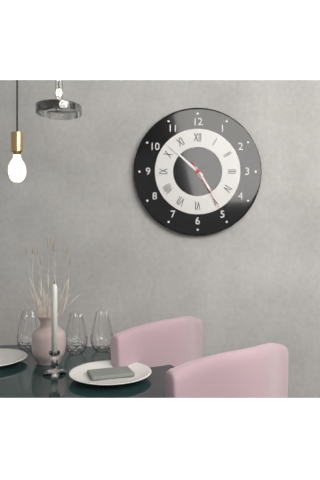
4:52:25
